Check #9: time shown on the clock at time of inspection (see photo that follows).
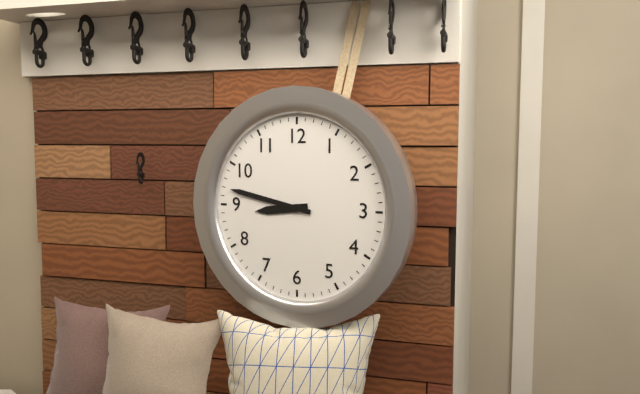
8:47
